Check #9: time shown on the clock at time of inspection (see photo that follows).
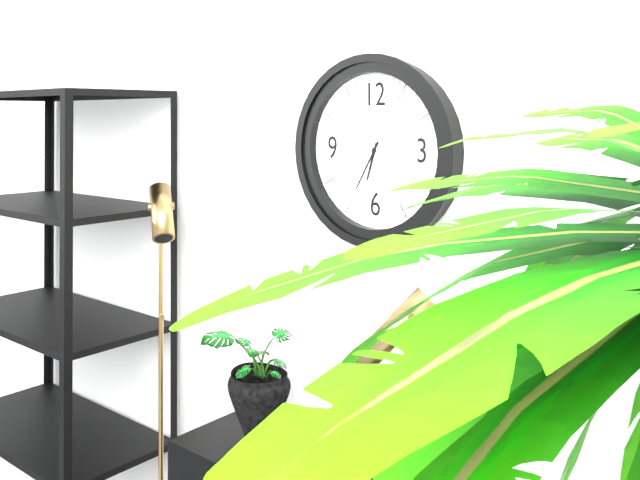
6:35
